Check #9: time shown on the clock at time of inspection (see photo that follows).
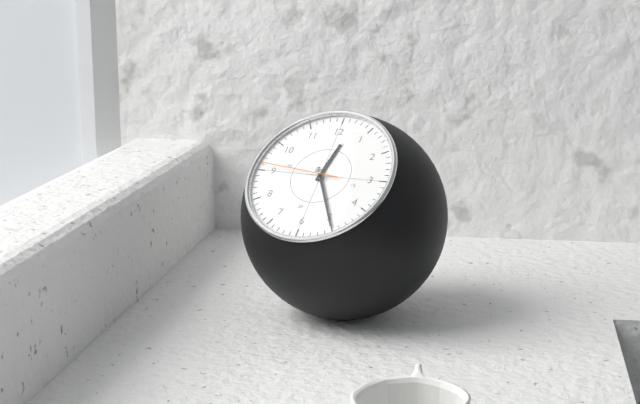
12:25:46
